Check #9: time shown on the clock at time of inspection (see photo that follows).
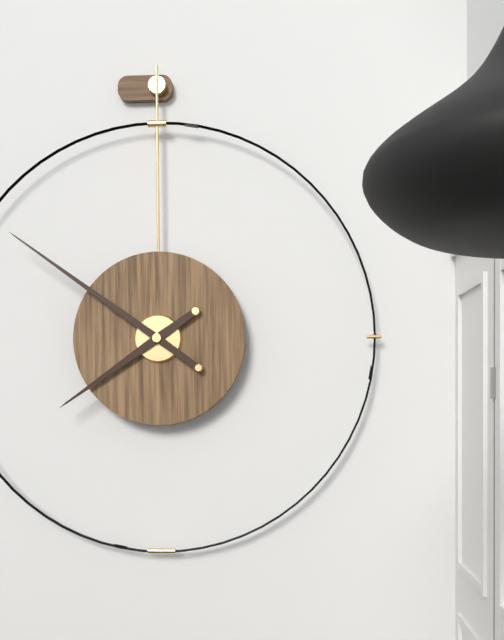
7:51
